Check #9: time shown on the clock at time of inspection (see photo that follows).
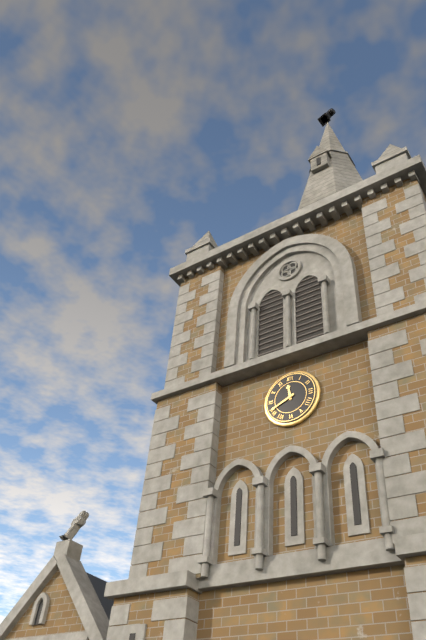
11:41
